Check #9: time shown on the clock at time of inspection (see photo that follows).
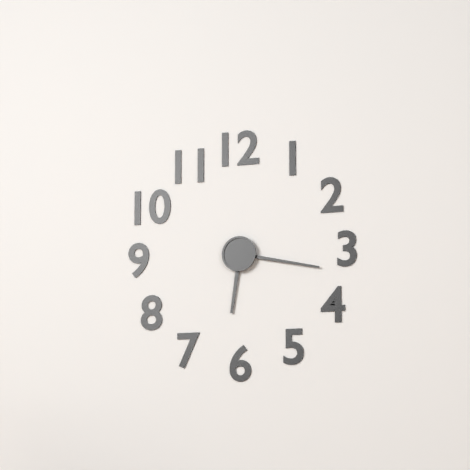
6:17
